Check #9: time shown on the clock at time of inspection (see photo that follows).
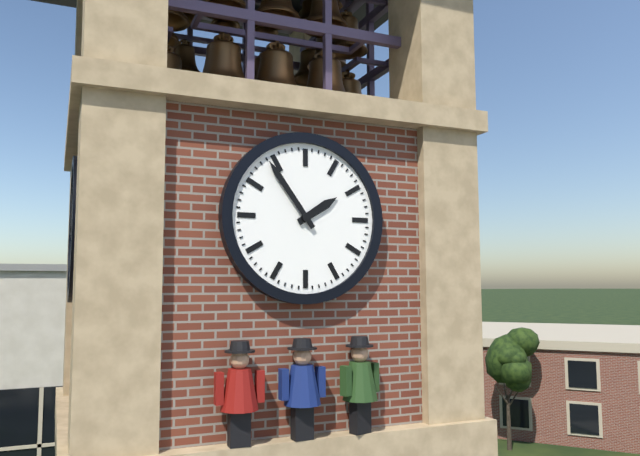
1:54
